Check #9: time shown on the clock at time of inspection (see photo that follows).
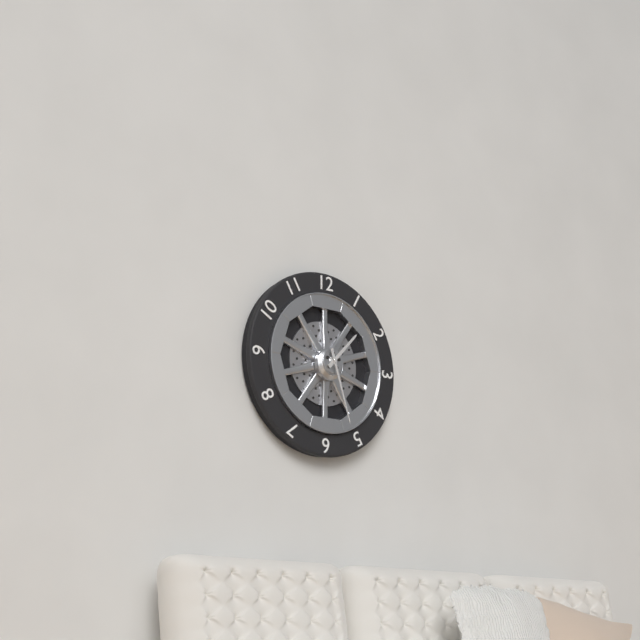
1:27
